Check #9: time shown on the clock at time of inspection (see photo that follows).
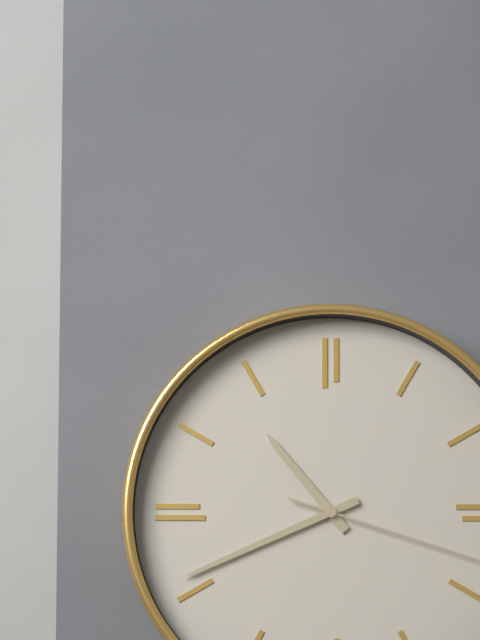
10:41
